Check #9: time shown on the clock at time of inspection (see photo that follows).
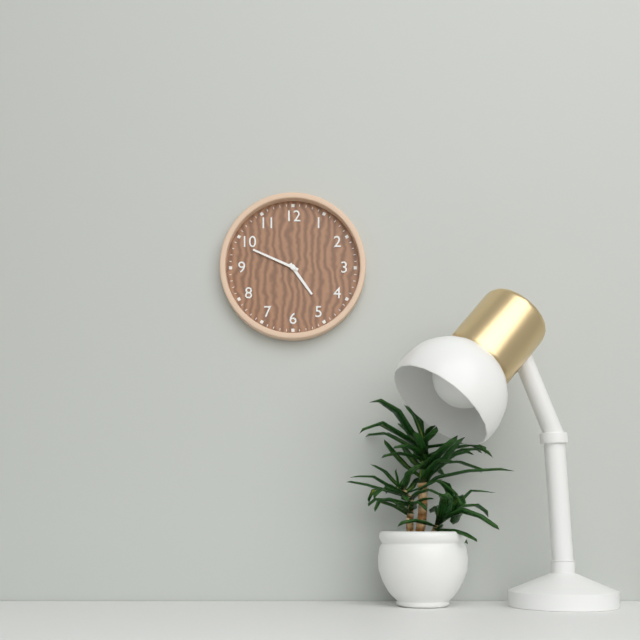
4:49
